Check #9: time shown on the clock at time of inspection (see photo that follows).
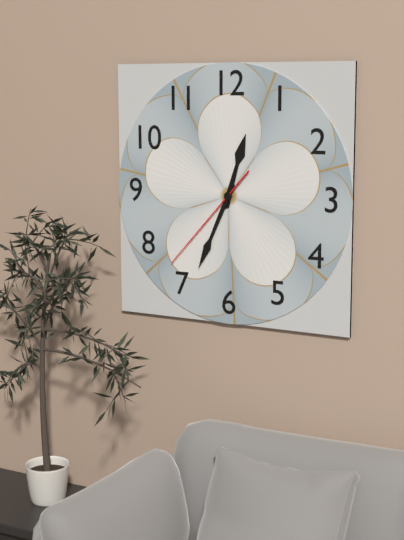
12:34:37
